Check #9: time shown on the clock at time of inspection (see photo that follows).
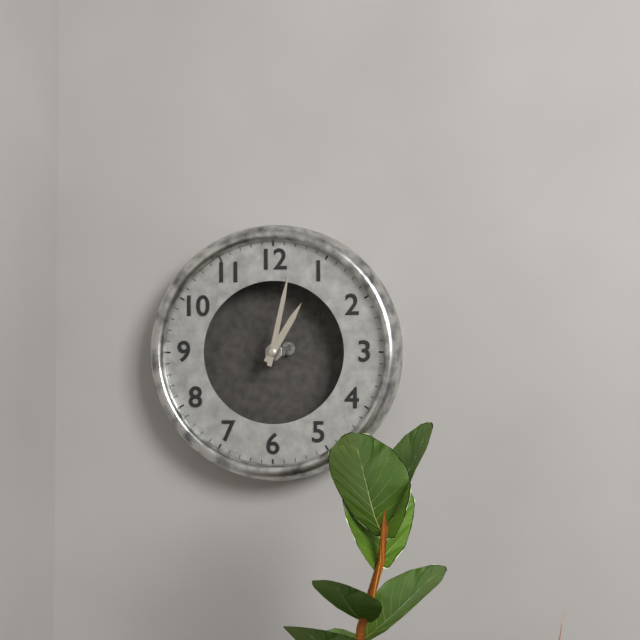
1:02
